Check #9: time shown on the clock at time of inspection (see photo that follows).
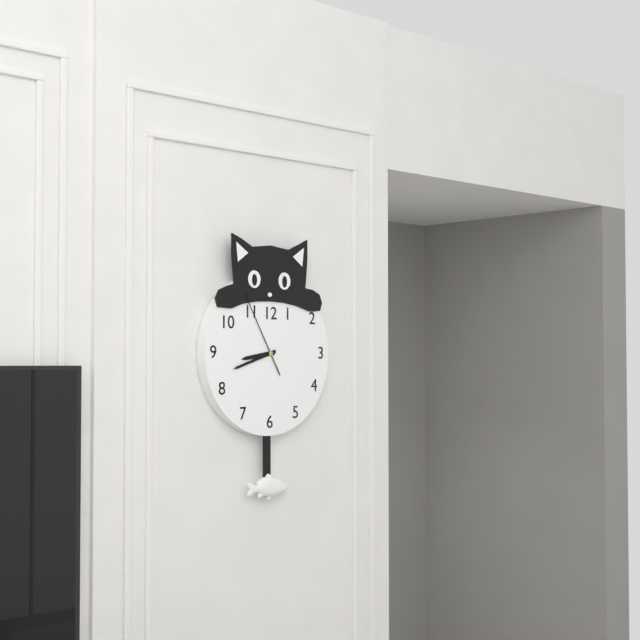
8:42:55
